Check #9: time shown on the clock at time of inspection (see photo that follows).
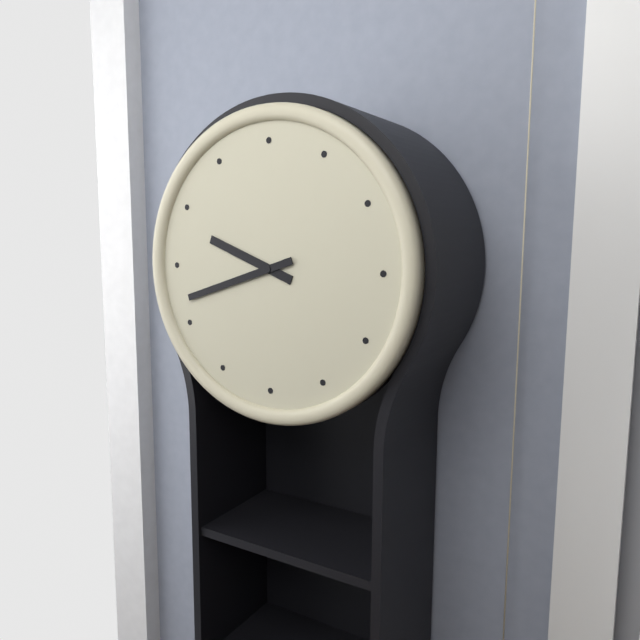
9:42
